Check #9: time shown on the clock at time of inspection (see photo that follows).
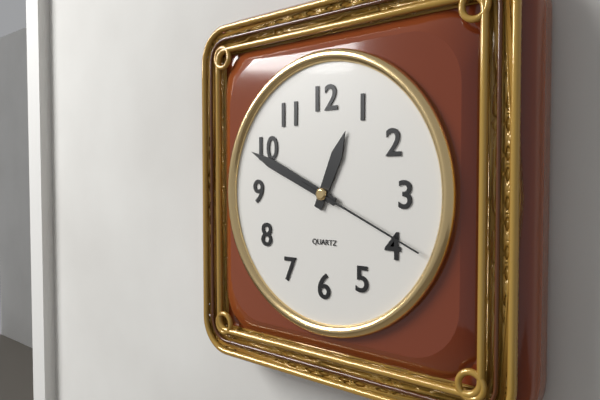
12:49:19
